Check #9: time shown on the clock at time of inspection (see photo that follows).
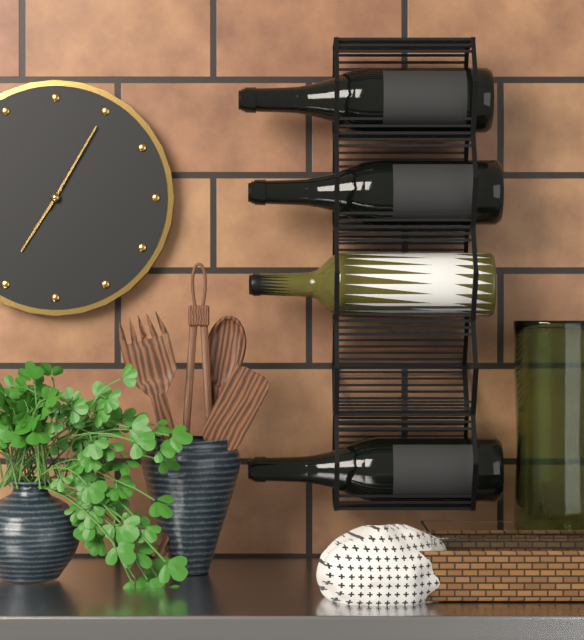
7:05
